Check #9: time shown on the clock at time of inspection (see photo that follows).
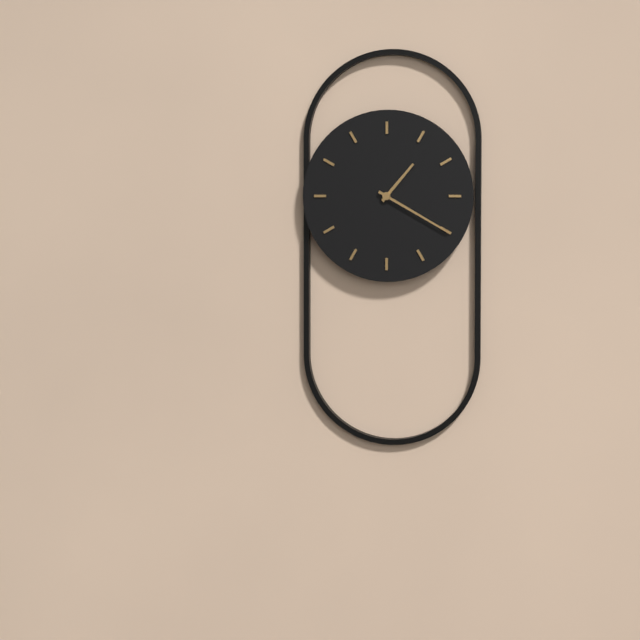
1:20
